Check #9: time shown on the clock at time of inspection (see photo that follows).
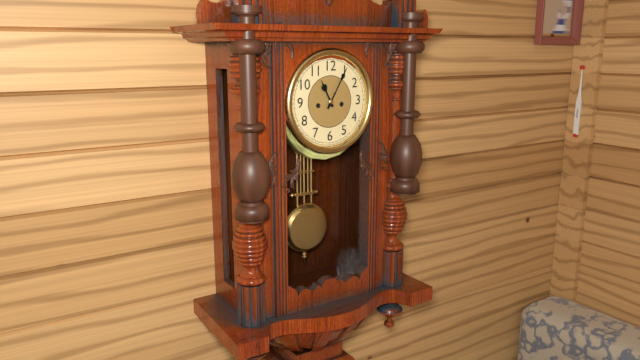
11:05
